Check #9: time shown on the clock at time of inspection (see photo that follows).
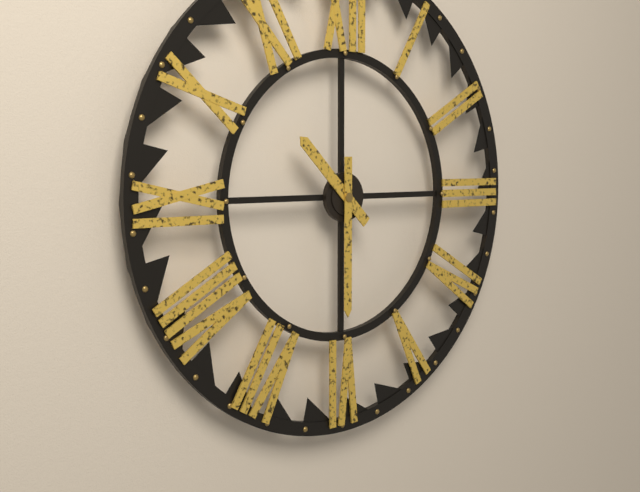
10:30
